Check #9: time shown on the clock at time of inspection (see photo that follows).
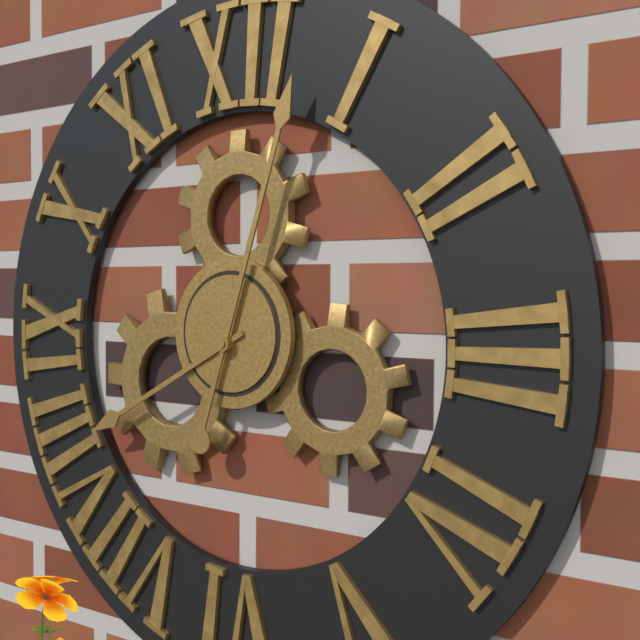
8:03
